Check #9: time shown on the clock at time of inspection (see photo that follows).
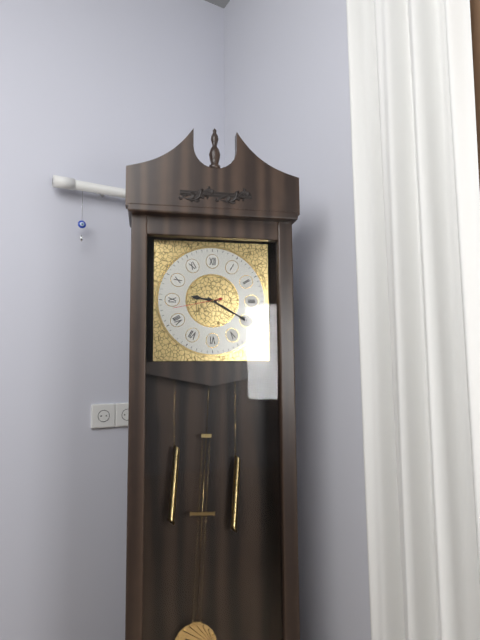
9:20:43
